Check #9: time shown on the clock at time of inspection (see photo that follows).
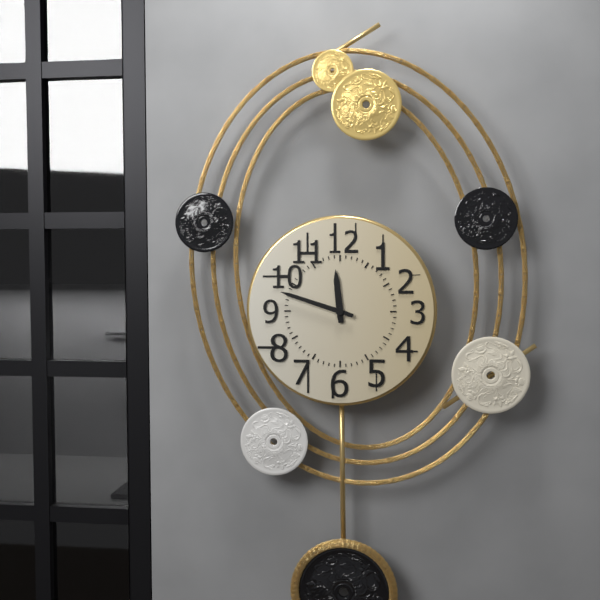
11:48
